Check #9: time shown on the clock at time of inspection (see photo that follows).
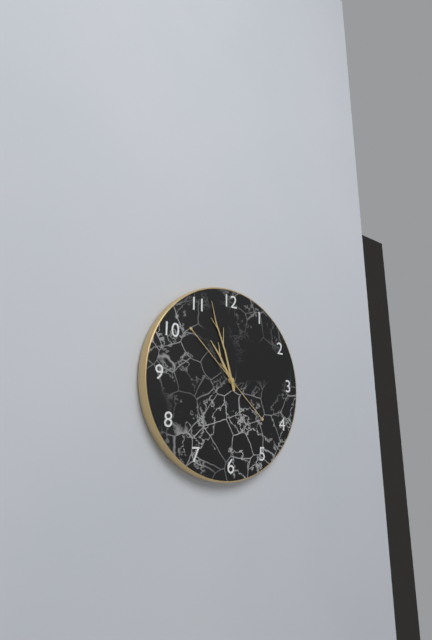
10:57:52
